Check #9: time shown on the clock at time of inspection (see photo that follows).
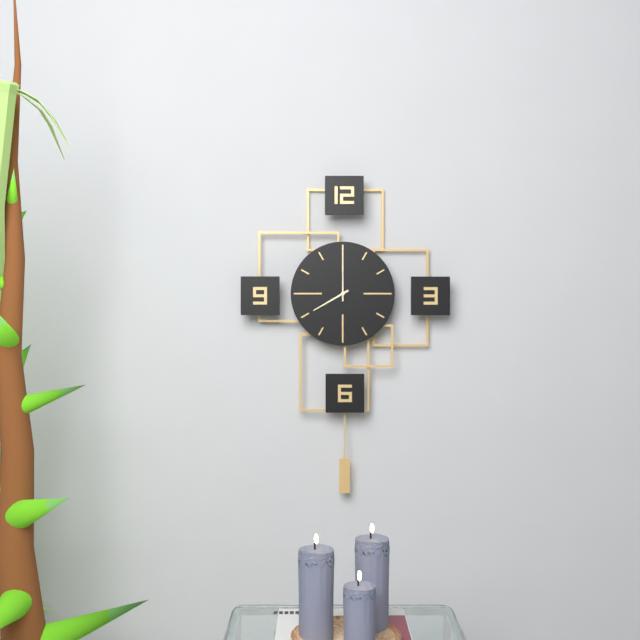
8:00
